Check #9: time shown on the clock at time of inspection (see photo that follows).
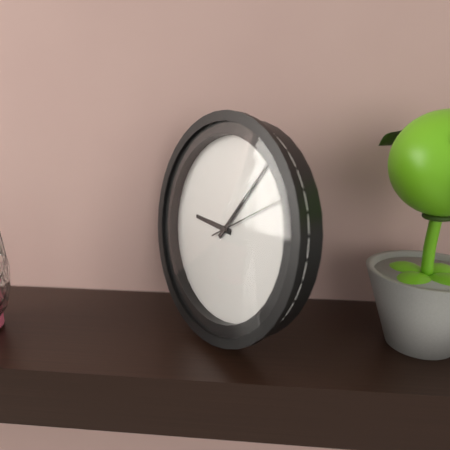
9:06:10
